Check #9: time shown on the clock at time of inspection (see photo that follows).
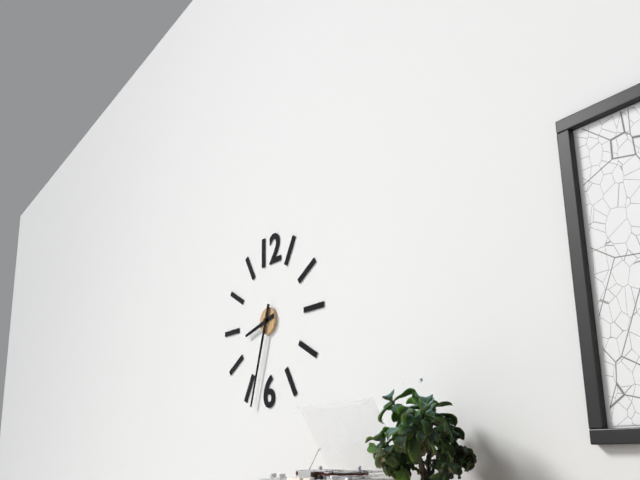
8:33
